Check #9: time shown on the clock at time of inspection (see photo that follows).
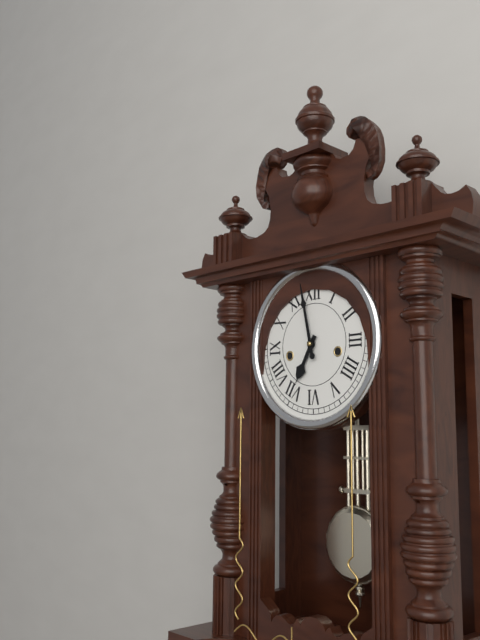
6:58
